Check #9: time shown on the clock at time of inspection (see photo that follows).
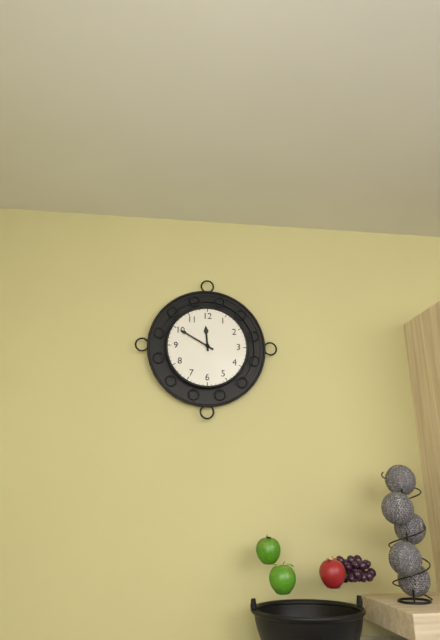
11:50
